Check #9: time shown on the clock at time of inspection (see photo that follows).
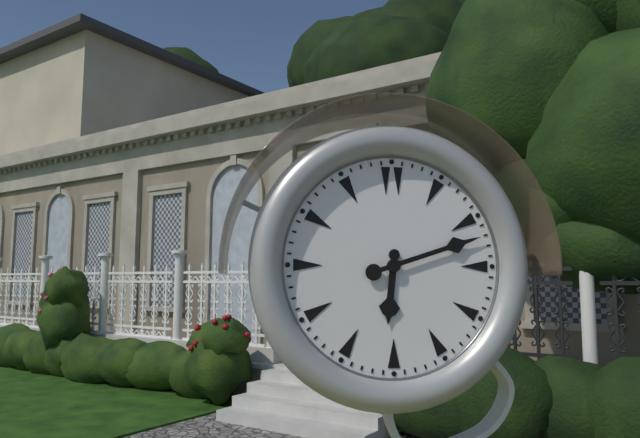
6:12
